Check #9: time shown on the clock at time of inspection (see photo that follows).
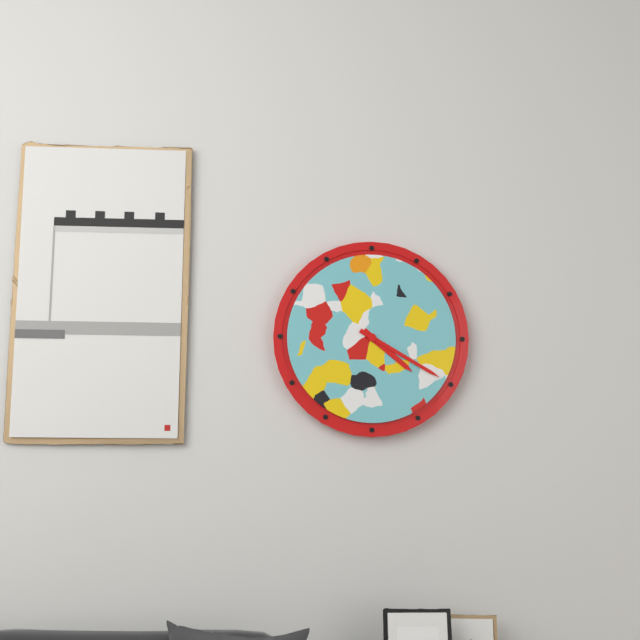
4:20
